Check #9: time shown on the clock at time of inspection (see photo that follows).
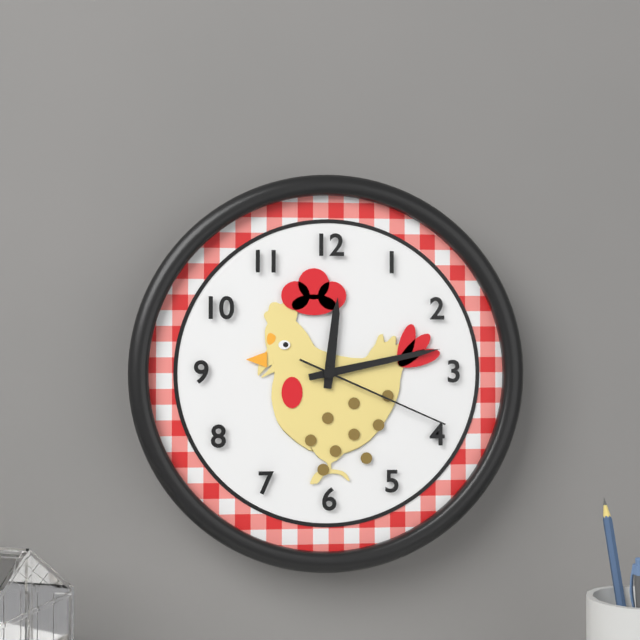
12:13:19
